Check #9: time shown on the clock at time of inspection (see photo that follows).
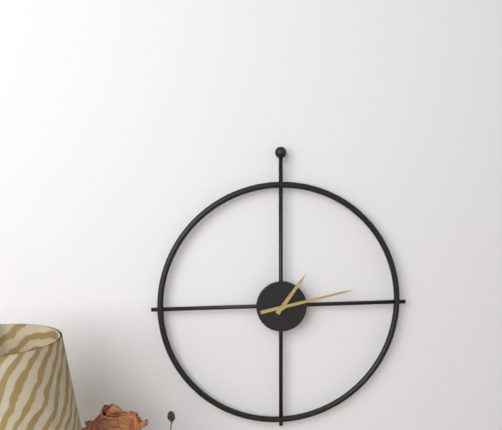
1:13
